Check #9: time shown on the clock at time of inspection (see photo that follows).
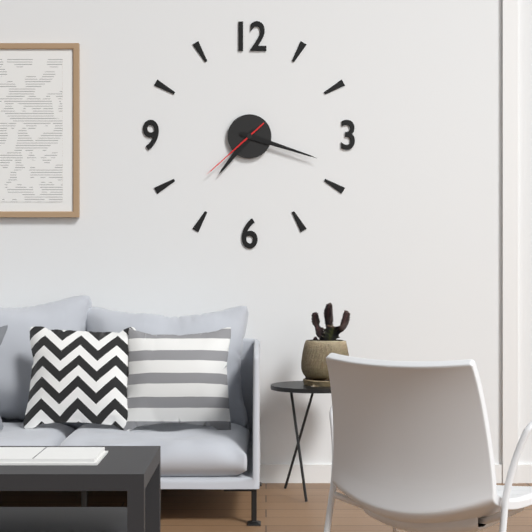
7:18:38
